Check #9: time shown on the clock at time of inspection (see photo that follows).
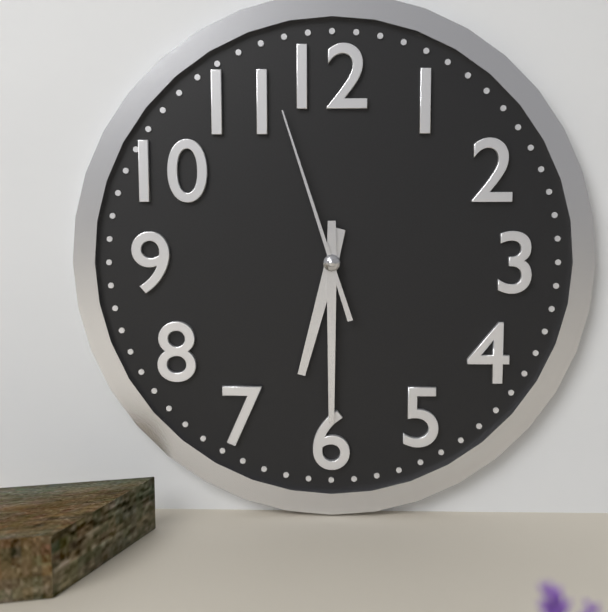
6:30:57
